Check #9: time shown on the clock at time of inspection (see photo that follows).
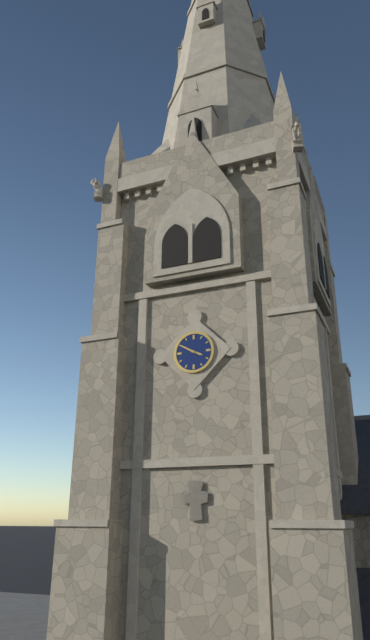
3:50
